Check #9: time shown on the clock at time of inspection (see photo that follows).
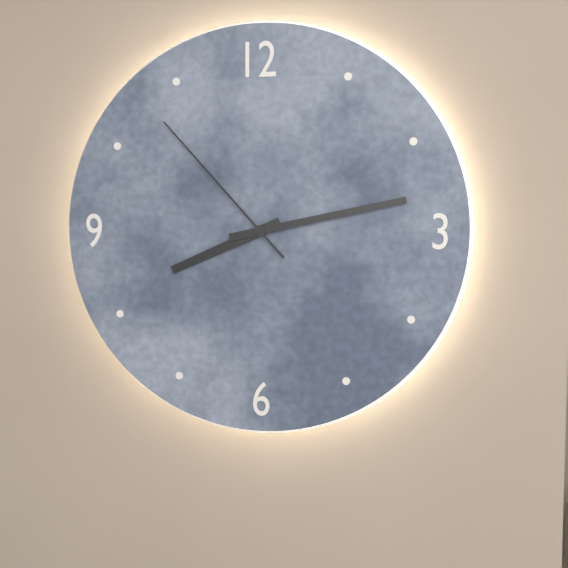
8:13:53
